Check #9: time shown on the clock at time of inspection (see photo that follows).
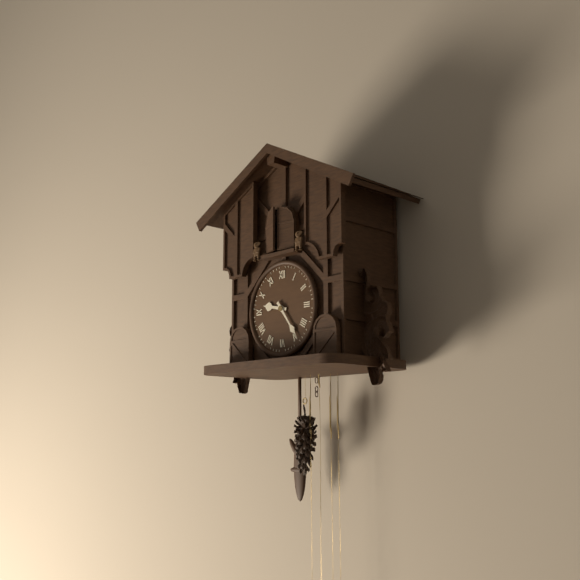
9:24
